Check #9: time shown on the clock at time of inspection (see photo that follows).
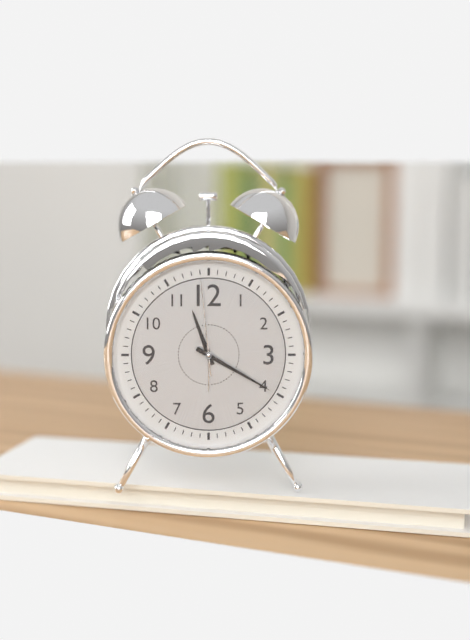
11:20:59
